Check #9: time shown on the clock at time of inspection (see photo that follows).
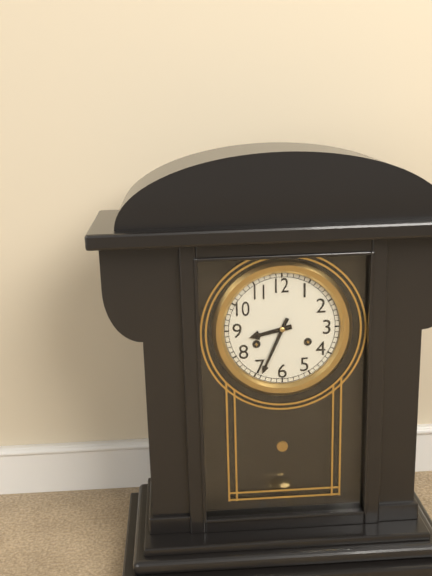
8:34
